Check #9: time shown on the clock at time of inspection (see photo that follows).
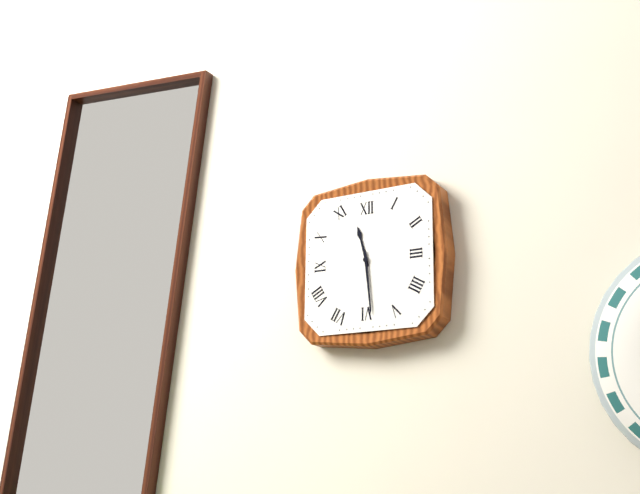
11:29
